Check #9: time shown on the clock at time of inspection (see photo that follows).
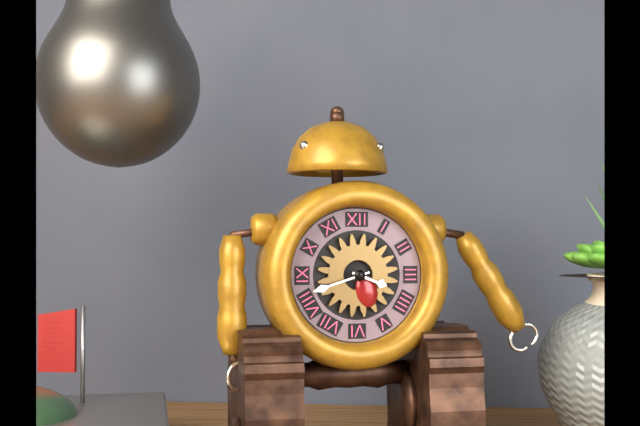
3:42
